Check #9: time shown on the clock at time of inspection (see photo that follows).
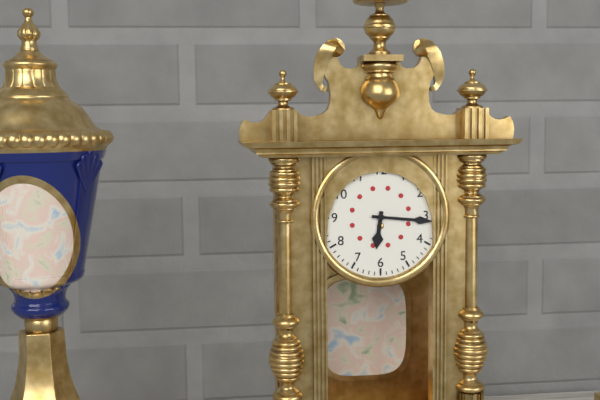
6:16
